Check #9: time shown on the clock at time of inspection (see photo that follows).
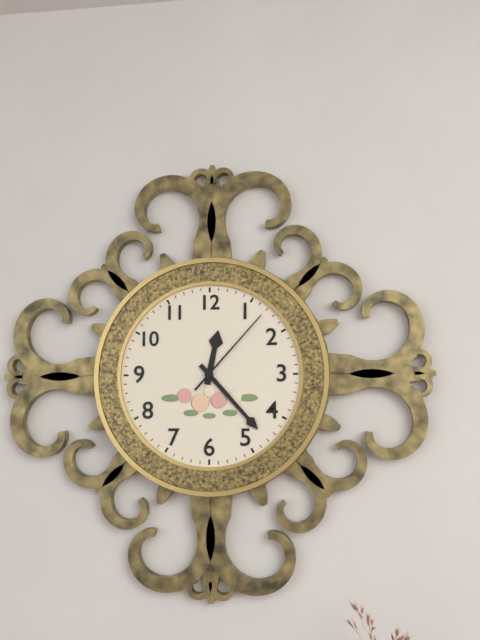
12:23:07
